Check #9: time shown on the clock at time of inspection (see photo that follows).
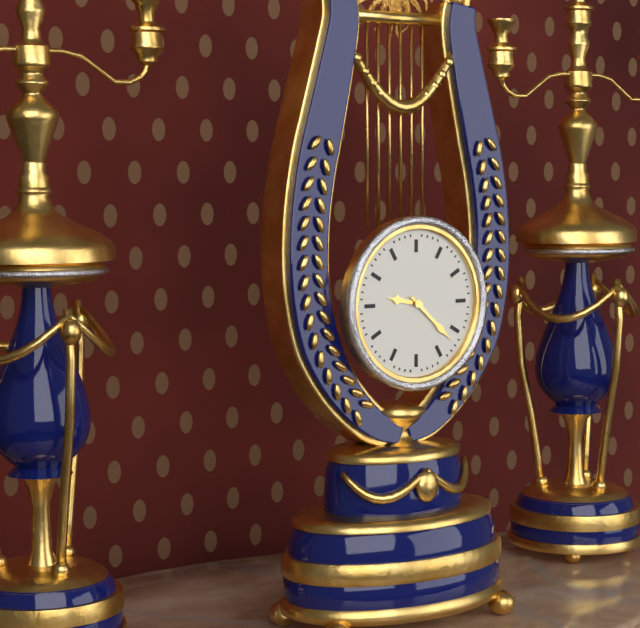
9:22
